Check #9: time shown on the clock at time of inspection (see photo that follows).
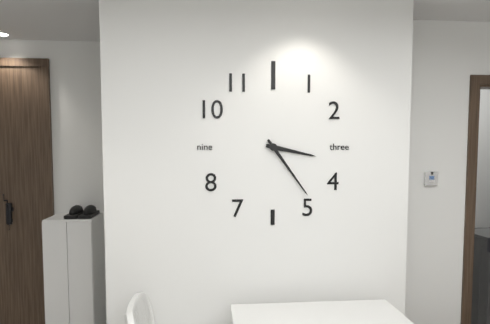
3:24
